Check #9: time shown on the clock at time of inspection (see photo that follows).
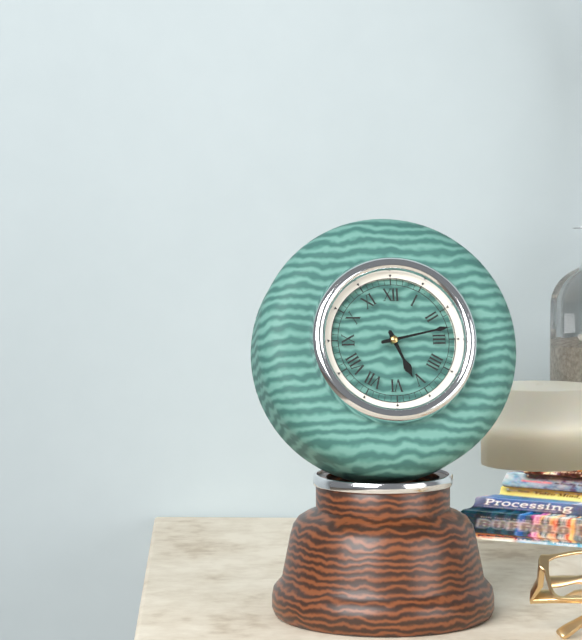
5:13
